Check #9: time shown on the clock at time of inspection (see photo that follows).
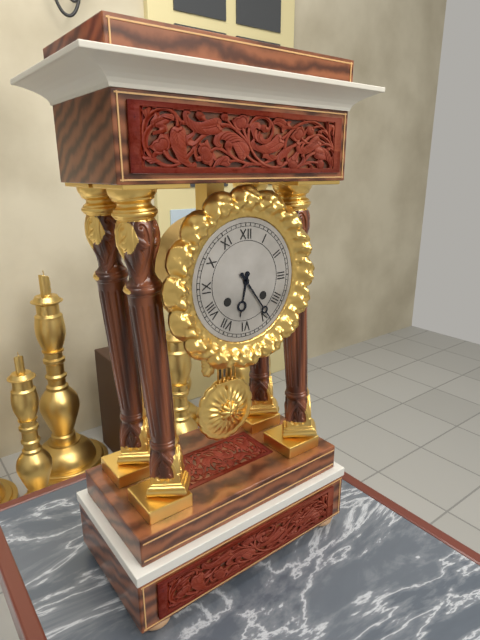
6:24
